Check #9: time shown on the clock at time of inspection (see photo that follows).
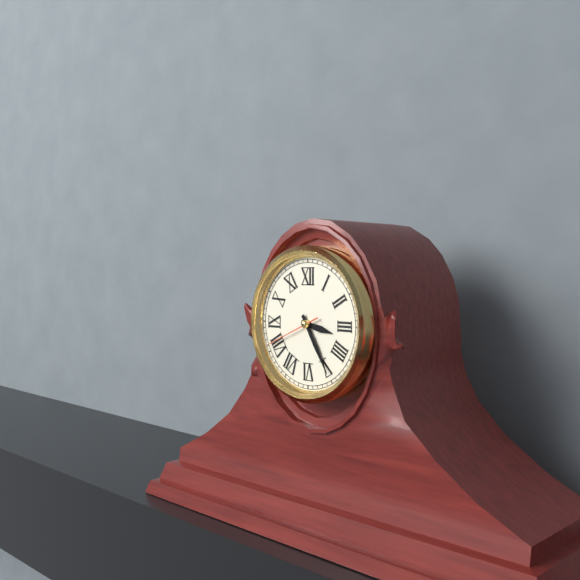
3:25:41
